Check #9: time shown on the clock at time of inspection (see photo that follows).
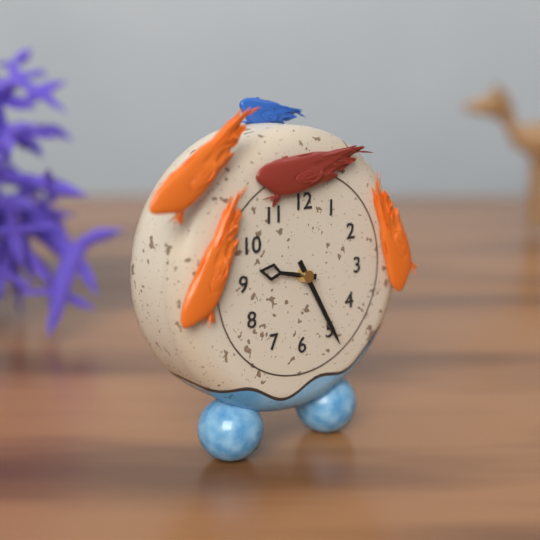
9:25
